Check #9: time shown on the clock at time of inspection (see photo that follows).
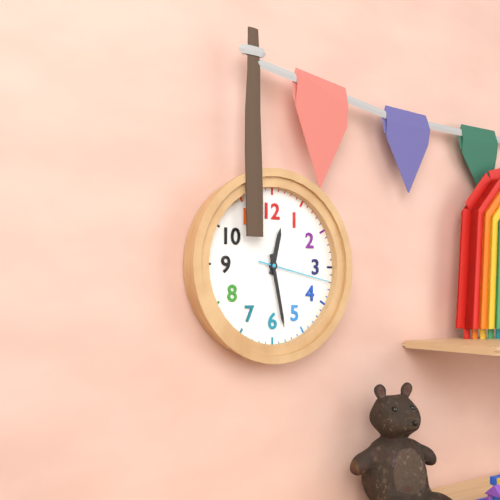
12:28:17
